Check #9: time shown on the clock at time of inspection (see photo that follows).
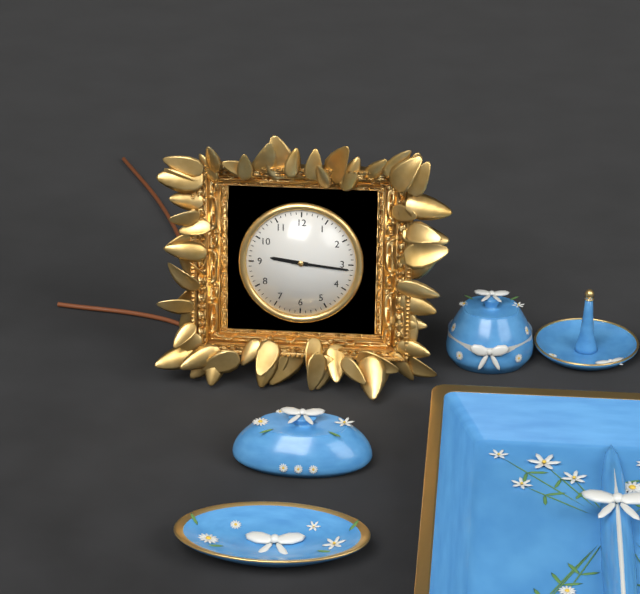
9:16
